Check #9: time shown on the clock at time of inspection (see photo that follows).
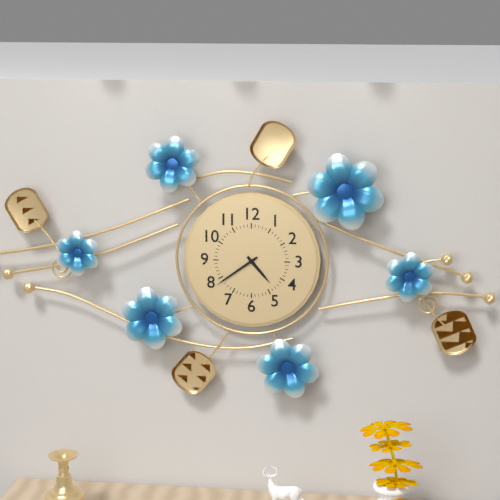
4:39
